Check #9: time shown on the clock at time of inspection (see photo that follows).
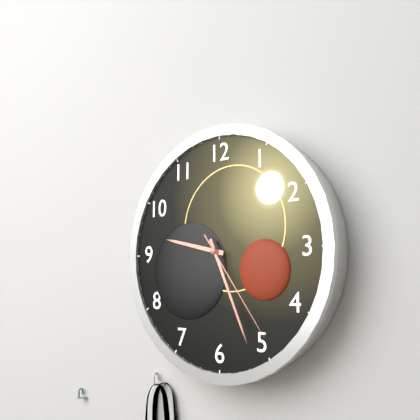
9:26:24
